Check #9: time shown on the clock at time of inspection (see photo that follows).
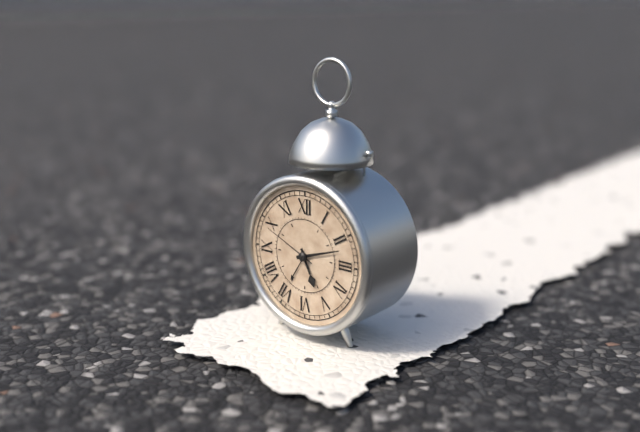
5:12:49
